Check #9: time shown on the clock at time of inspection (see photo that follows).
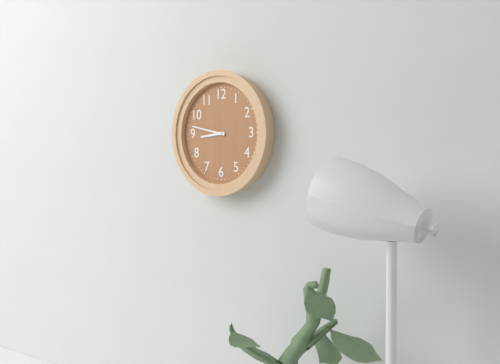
8:47
